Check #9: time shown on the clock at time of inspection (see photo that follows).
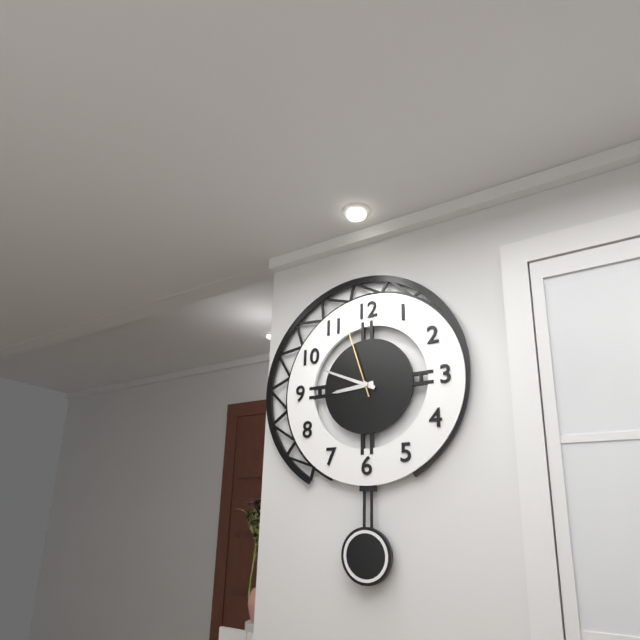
8:49:57
